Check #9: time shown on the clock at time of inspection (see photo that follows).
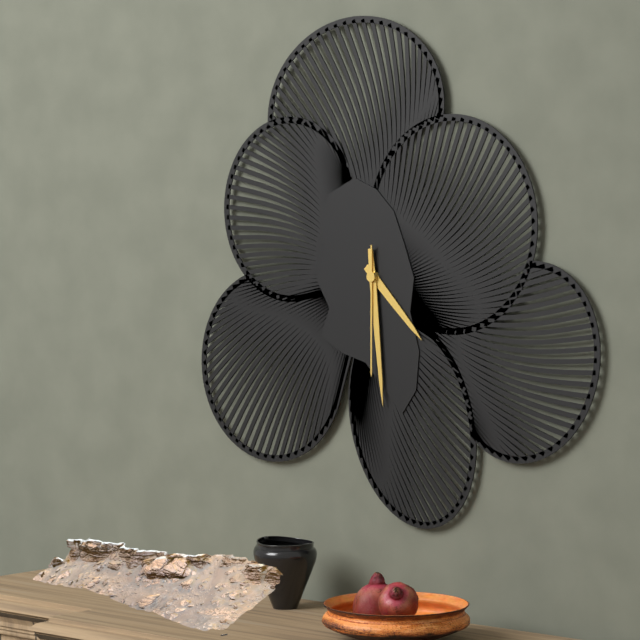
4:29:30
